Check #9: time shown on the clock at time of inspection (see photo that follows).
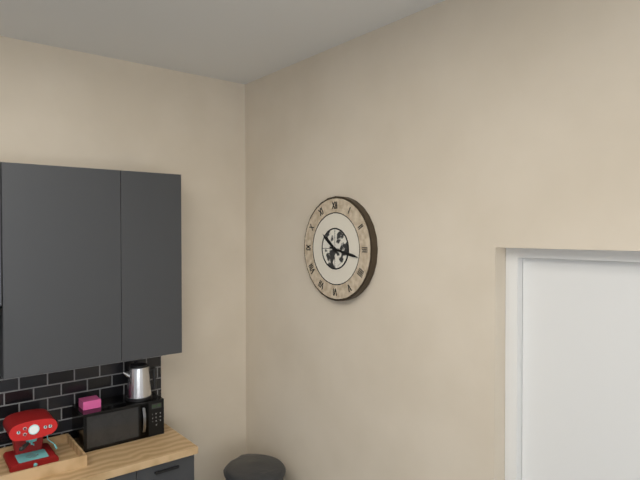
10:17
